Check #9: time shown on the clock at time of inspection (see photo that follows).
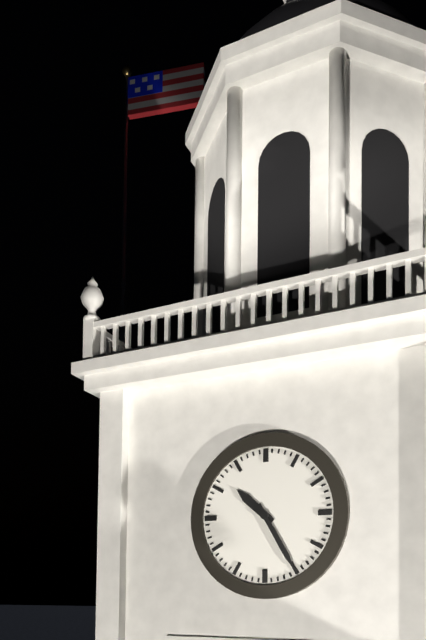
10:25
